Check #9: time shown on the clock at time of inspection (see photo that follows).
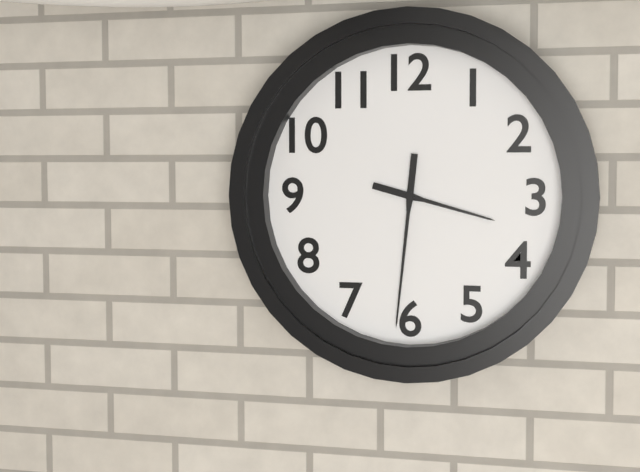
3:31
